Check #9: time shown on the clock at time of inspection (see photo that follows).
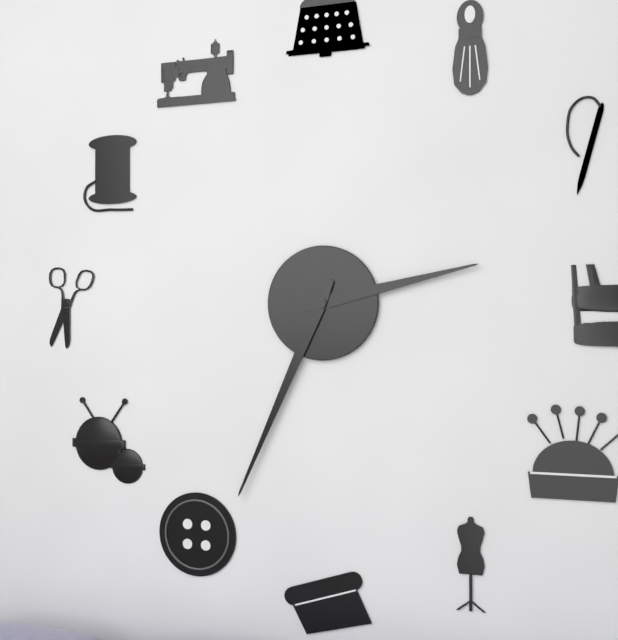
2:34
